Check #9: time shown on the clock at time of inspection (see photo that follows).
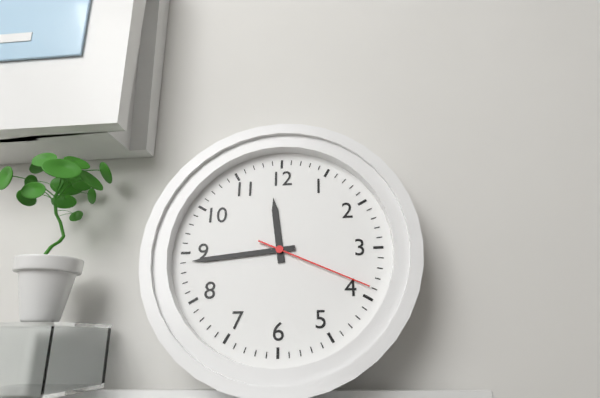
11:44:19
